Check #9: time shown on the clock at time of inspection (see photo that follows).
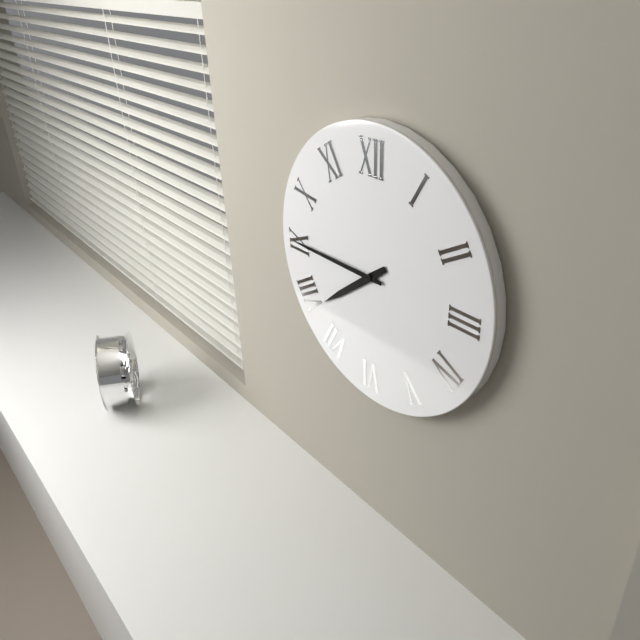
7:45
